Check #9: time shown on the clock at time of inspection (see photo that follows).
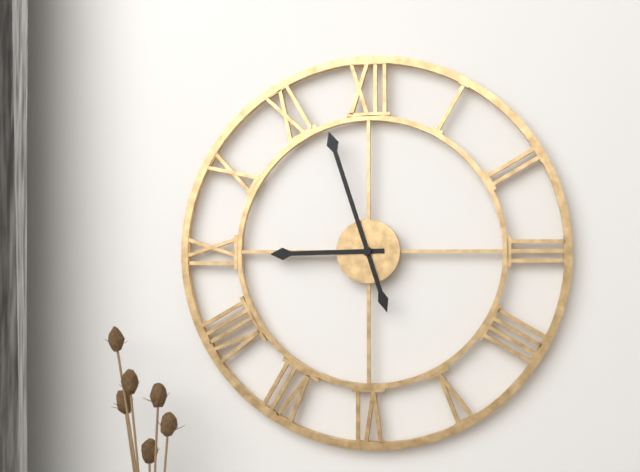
8:57
